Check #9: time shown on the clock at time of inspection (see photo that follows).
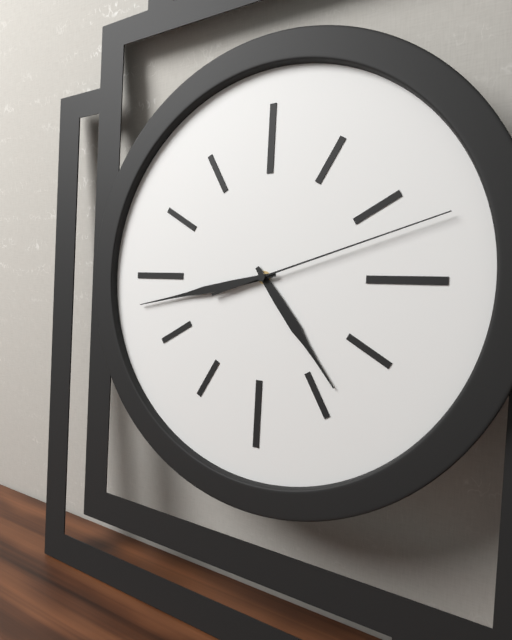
4:43:12
